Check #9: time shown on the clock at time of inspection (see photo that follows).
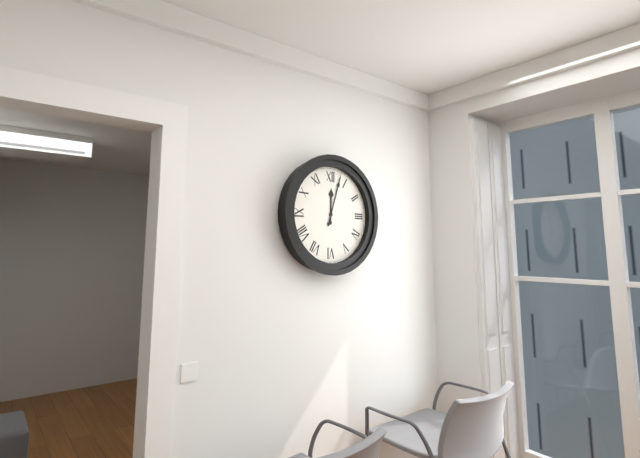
12:03
